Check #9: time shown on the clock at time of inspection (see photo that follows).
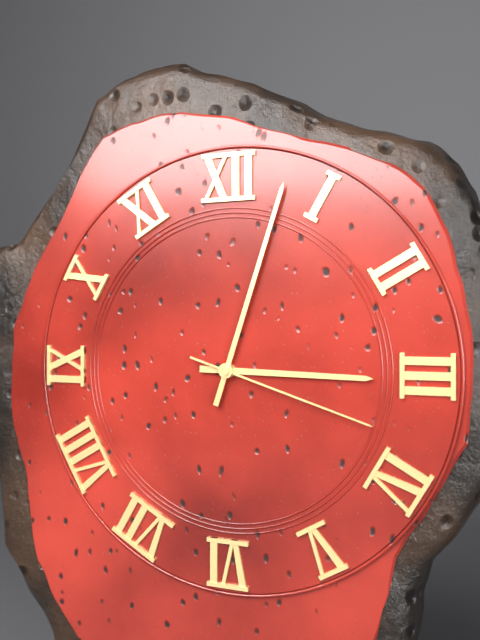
3:03:18
